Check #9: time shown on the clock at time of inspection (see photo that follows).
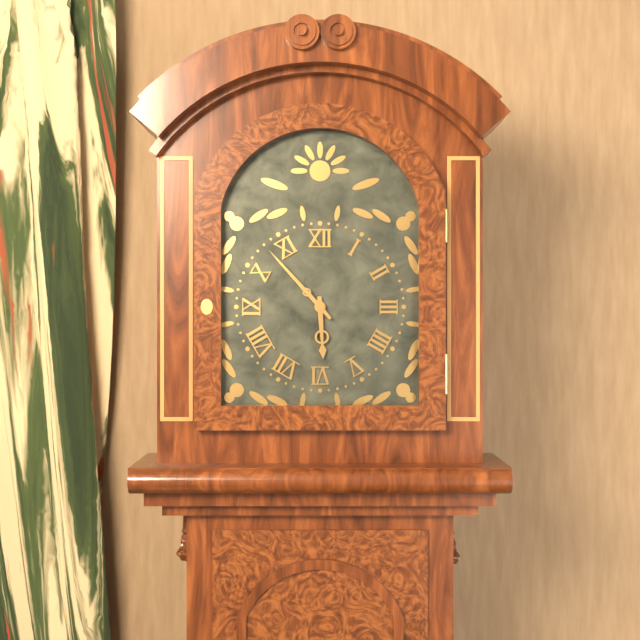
5:53
